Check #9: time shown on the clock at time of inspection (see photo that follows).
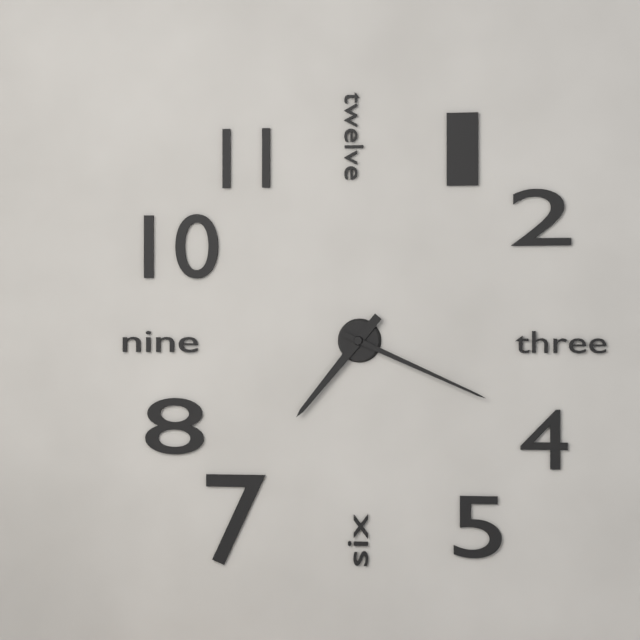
7:19
